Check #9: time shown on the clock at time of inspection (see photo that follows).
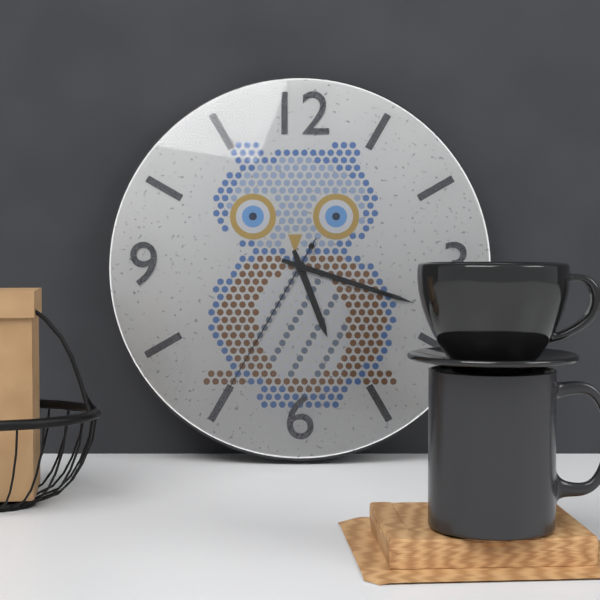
5:18:35
